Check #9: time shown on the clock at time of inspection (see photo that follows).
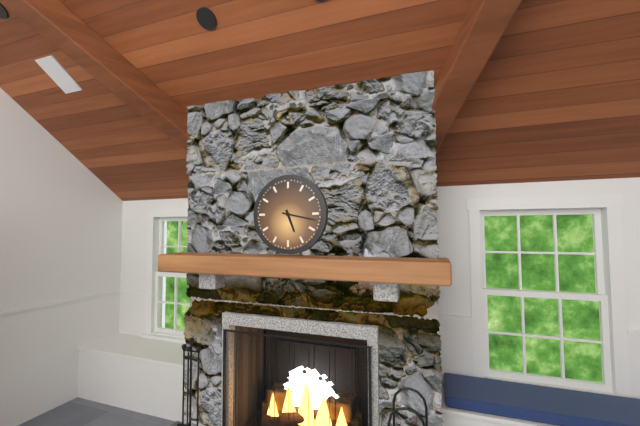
5:17
